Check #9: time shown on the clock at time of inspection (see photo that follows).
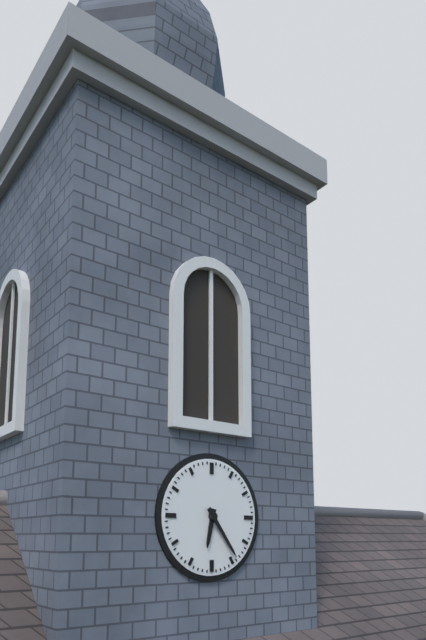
6:24
